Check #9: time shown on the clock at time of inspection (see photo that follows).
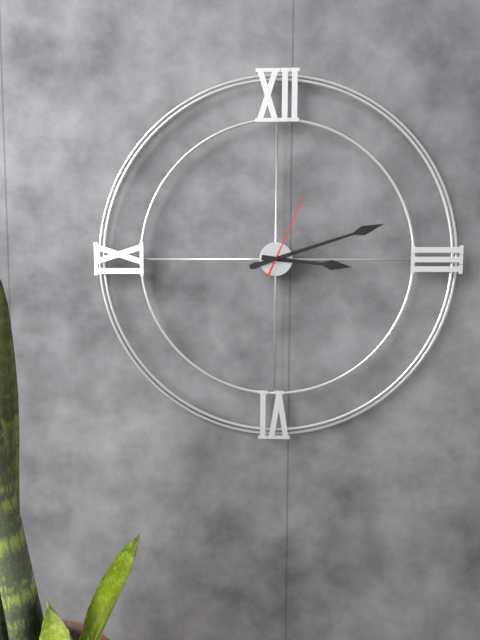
3:12:04
